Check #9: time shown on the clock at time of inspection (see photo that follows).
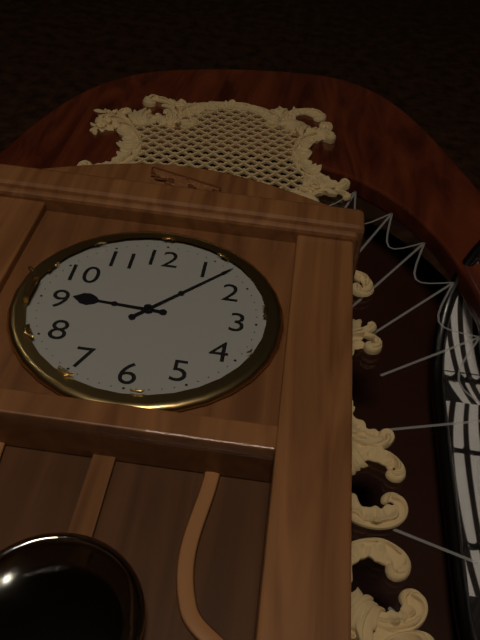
9:07
